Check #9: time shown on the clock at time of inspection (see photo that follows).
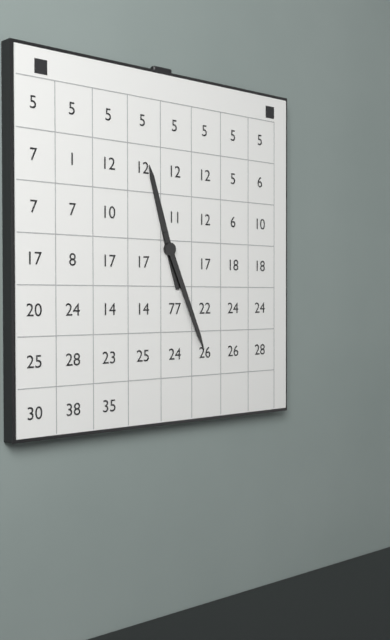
11:26
